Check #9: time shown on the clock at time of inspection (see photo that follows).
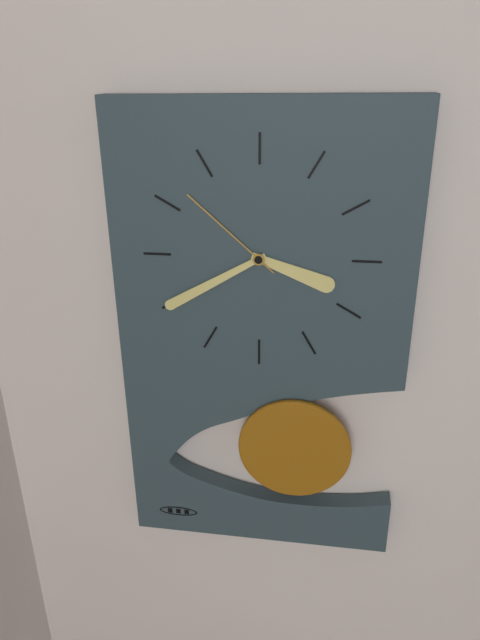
3:40:52
